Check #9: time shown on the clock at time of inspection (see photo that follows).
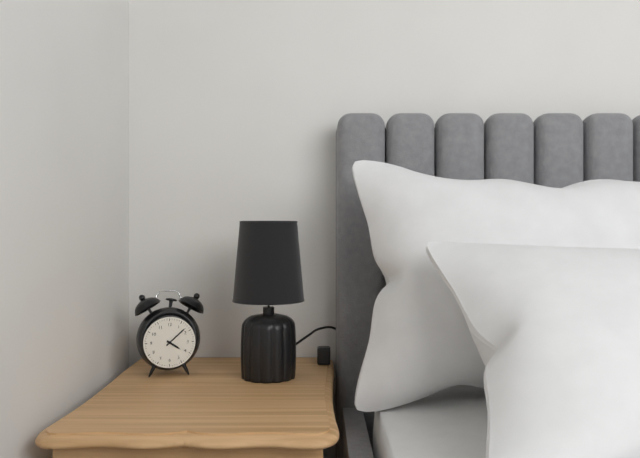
4:08
